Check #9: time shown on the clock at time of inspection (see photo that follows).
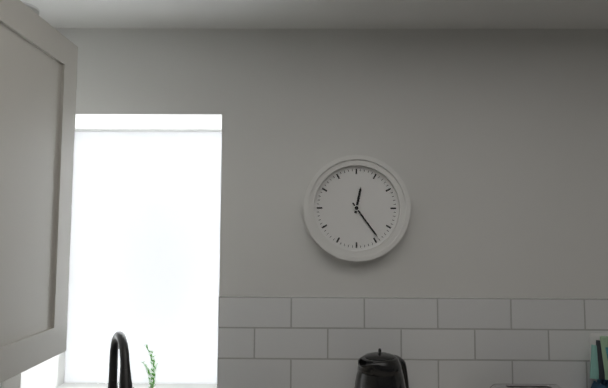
12:24
